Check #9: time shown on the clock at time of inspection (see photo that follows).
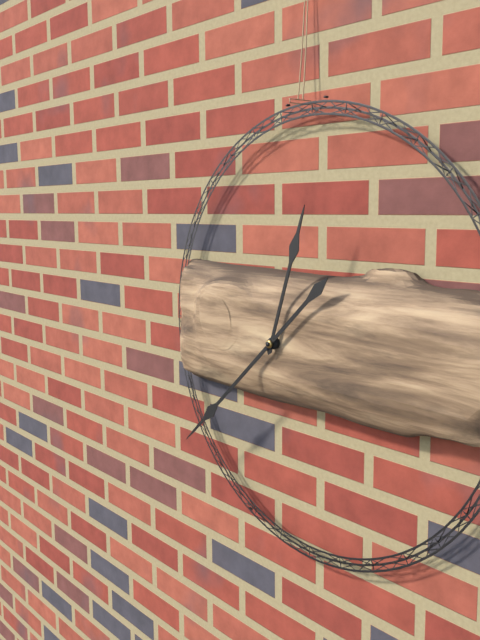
12:38
